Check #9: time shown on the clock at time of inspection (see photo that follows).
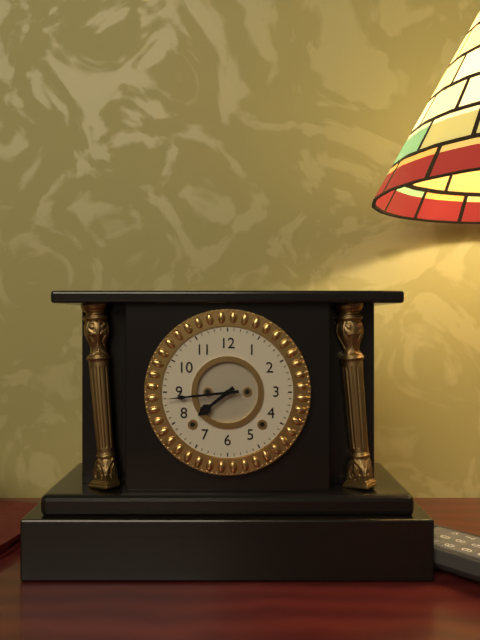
7:44
